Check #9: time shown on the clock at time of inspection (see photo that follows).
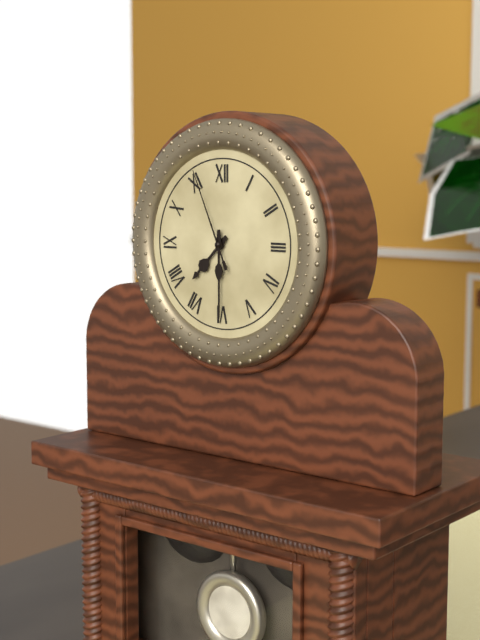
7:30:56
